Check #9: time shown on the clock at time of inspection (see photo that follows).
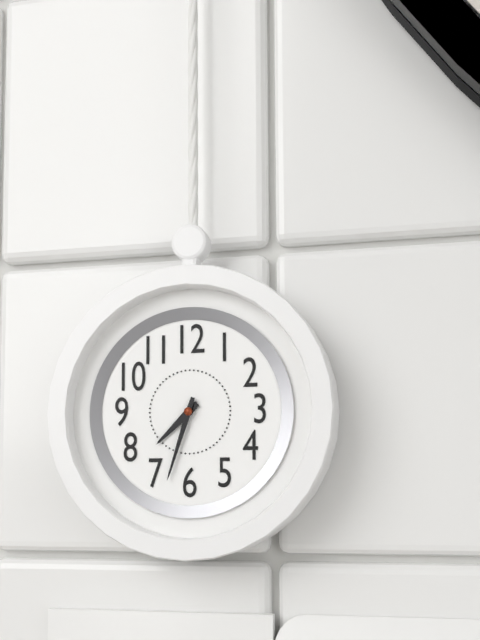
7:33
